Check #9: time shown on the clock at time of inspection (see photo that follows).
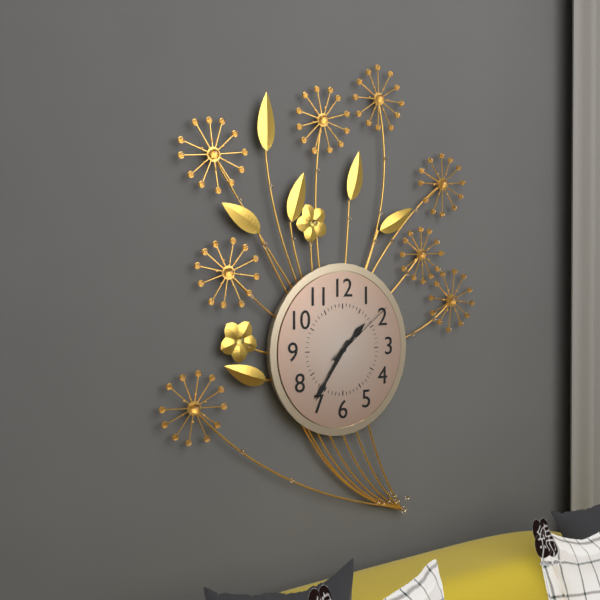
1:36:09
